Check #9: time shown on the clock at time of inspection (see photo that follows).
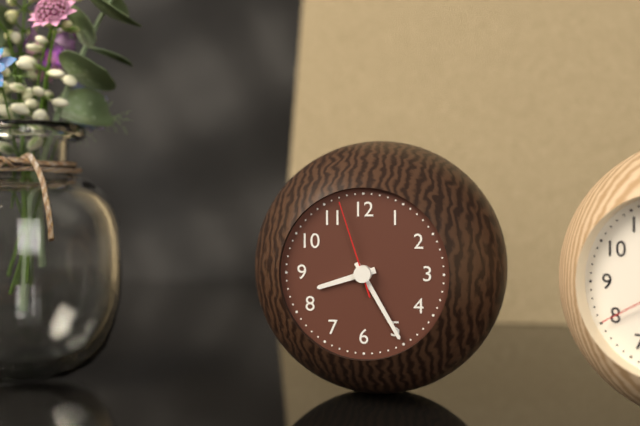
8:25:57
